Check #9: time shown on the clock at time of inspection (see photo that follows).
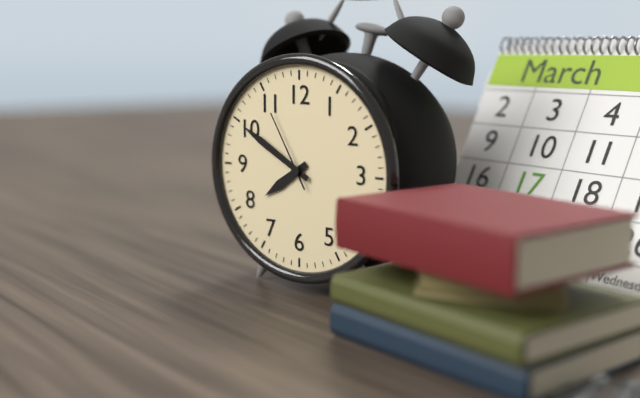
7:50:55
